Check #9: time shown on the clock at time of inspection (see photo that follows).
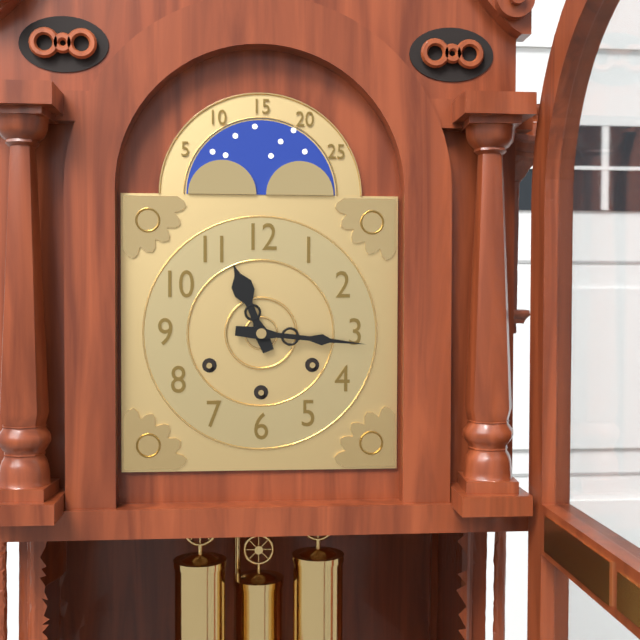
11:16
